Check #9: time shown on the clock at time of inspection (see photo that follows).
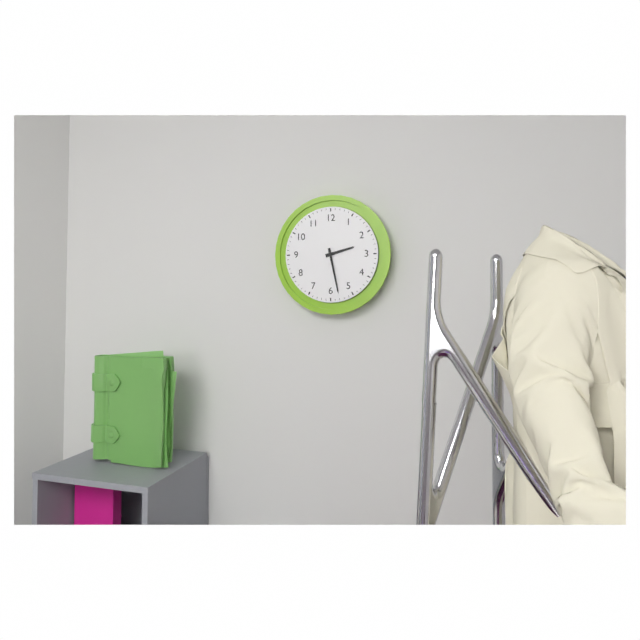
2:28
